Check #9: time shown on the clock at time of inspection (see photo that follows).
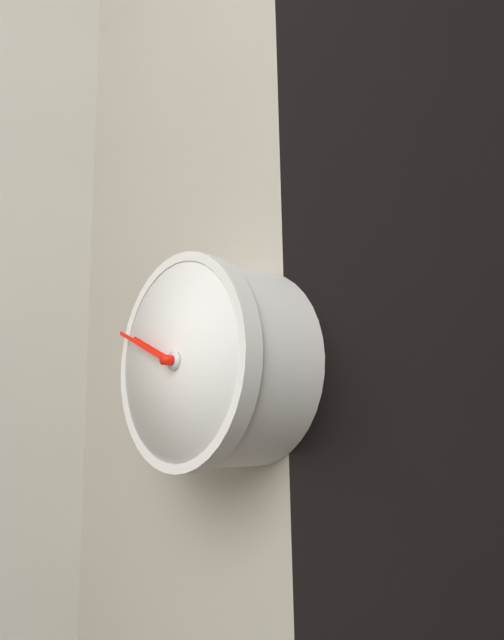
9:49
